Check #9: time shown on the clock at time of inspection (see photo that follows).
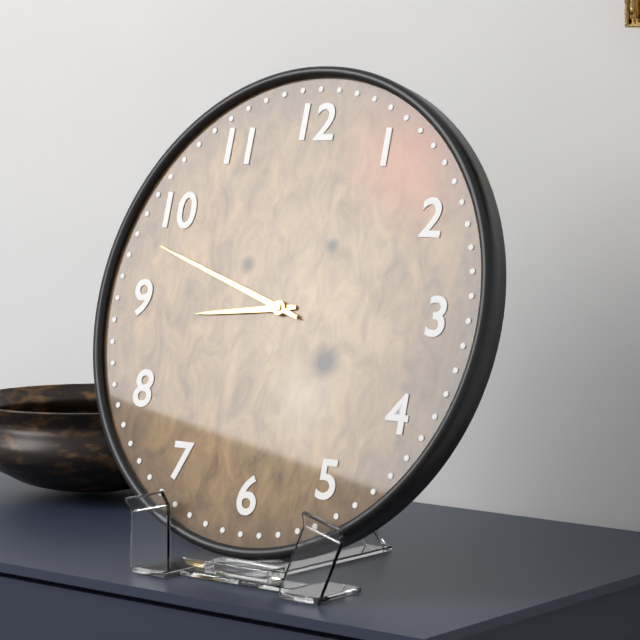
8:48
